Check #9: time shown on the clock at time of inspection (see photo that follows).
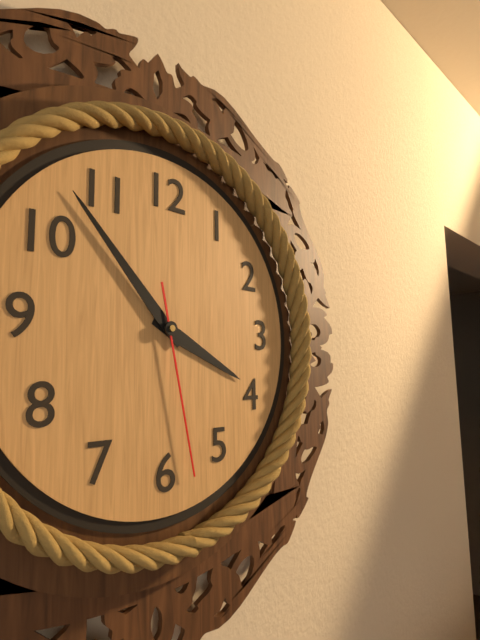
3:53:28
